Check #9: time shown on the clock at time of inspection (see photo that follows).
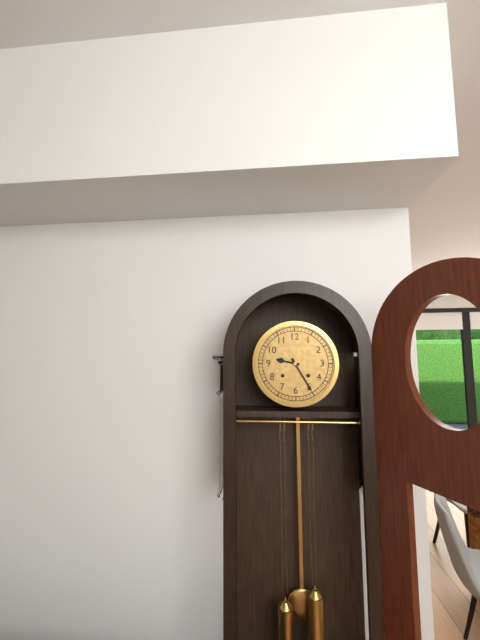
9:25
